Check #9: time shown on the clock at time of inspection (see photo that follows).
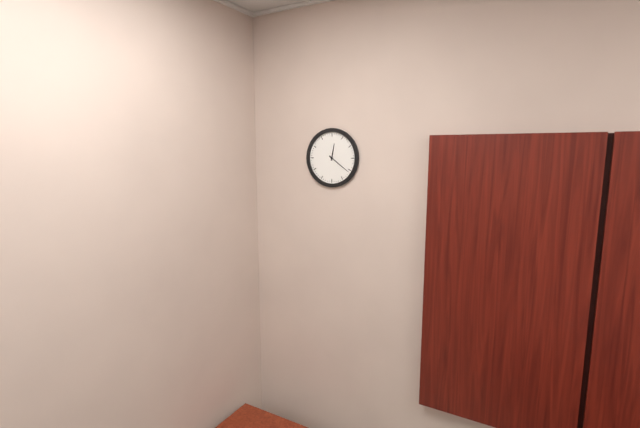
12:21
